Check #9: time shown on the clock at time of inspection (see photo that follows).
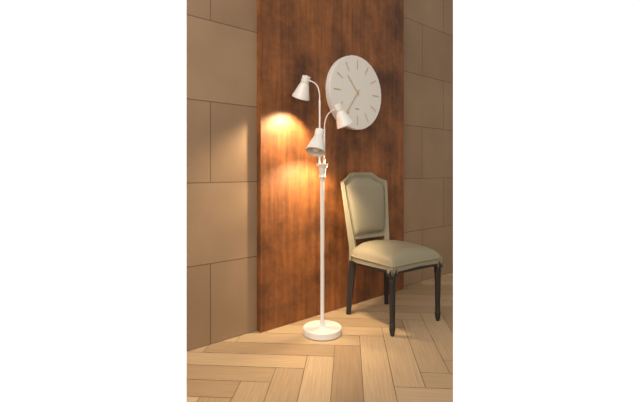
10:36
